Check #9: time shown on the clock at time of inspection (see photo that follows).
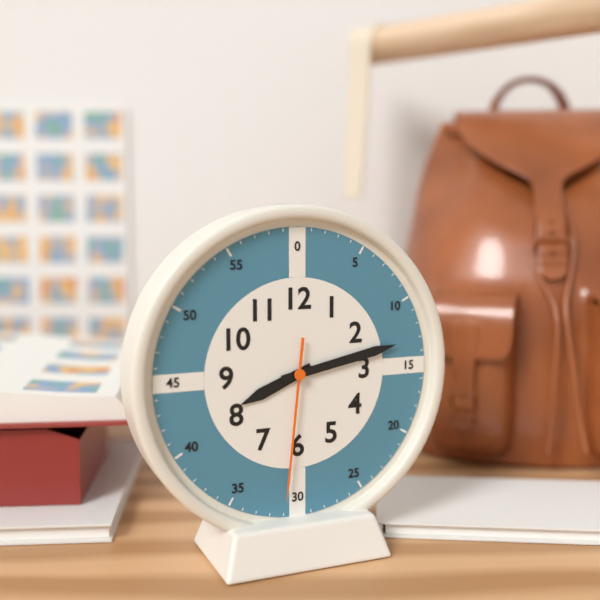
8:13:31
